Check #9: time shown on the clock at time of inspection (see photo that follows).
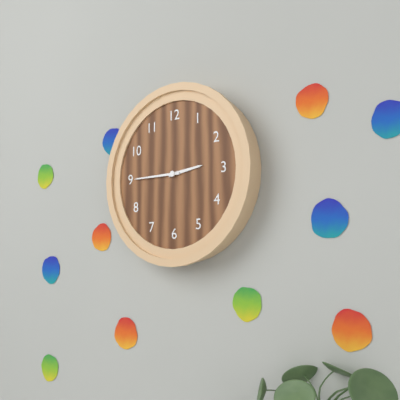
2:45
